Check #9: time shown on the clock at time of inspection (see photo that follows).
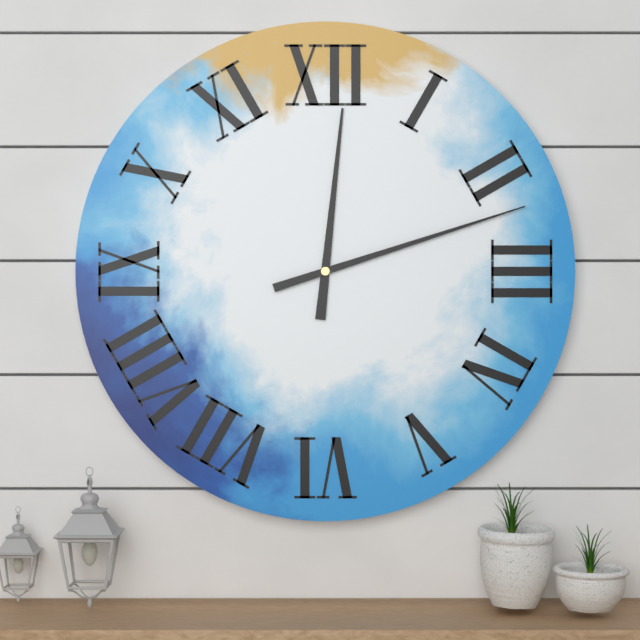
12:12
